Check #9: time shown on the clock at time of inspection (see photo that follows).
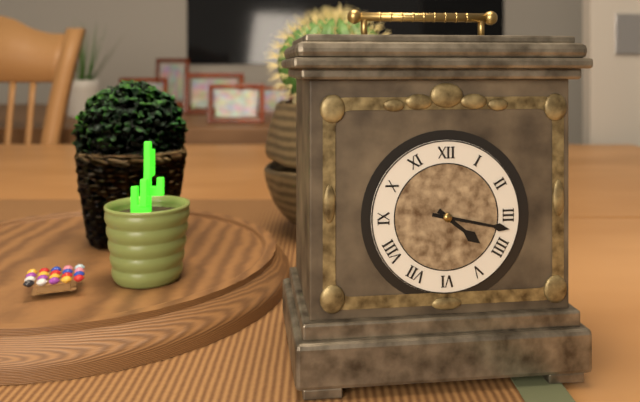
4:17
